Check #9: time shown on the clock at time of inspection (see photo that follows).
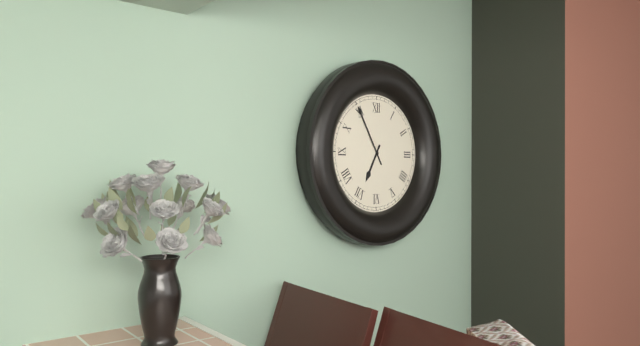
6:55
